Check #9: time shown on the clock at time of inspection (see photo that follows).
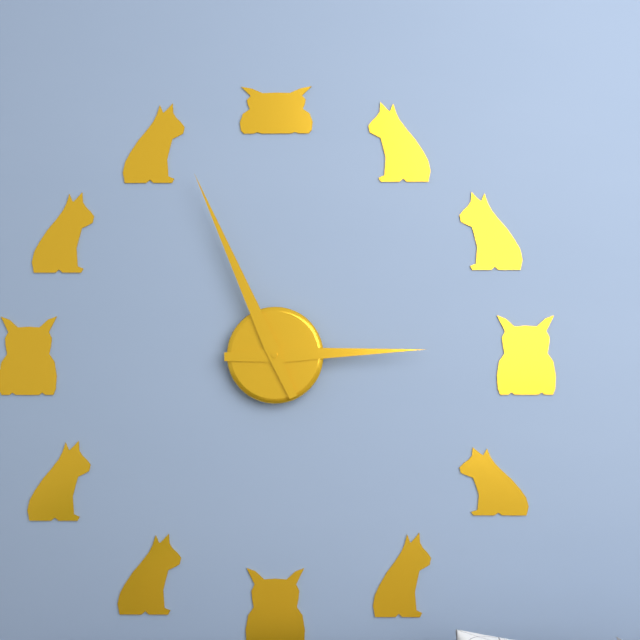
2:56
